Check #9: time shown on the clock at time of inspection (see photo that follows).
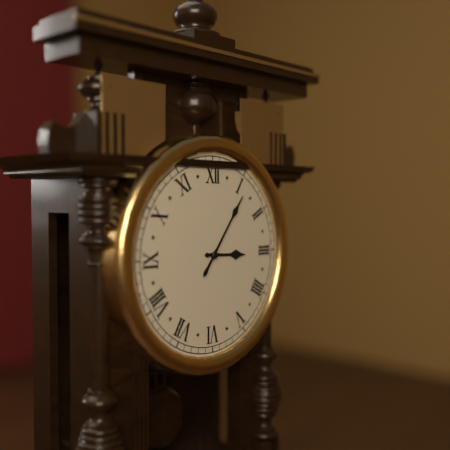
3:06
